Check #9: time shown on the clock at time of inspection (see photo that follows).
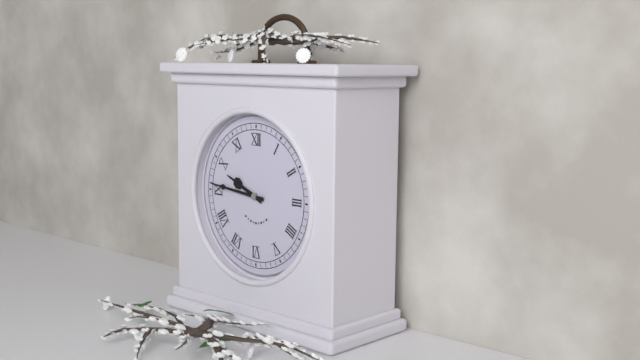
9:46
